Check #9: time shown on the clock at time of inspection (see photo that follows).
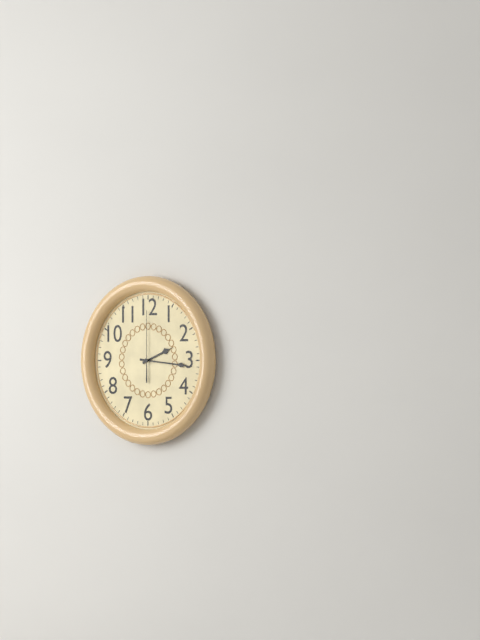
2:16:00
